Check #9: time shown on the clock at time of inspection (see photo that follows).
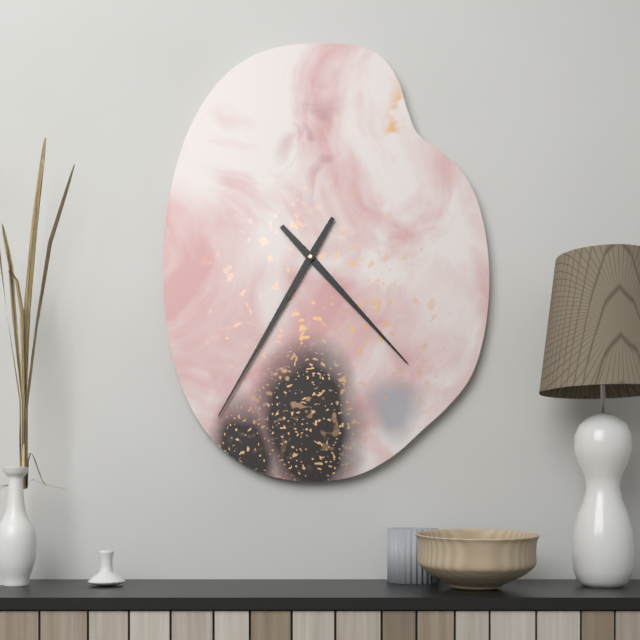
4:35
